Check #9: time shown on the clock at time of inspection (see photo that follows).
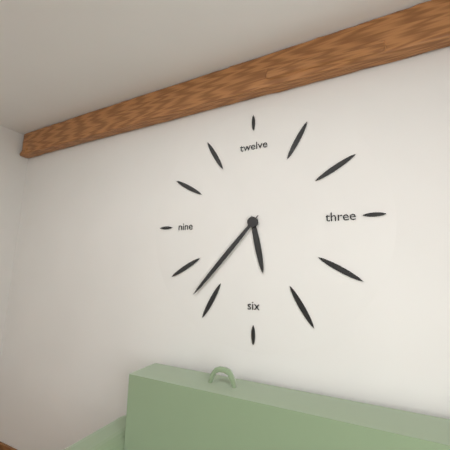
5:37
